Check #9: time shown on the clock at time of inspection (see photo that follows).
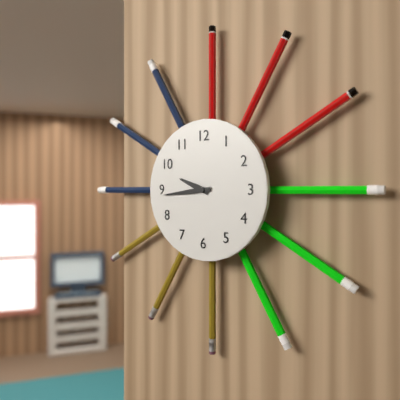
9:44
